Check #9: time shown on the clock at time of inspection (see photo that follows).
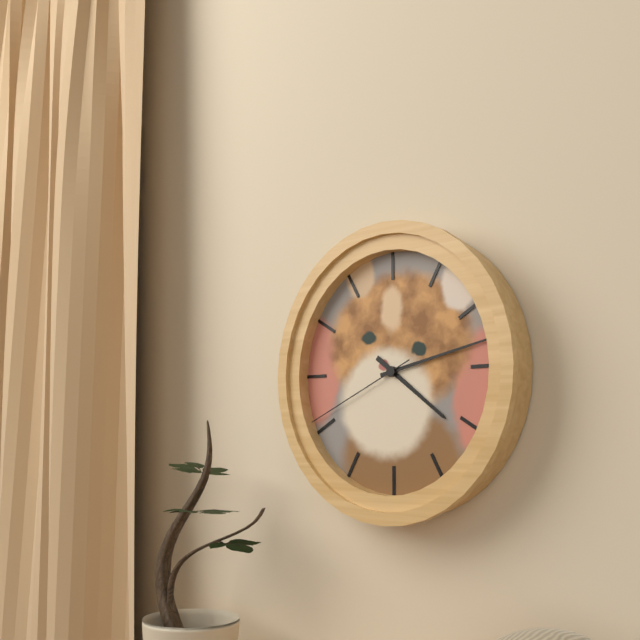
4:13:41
